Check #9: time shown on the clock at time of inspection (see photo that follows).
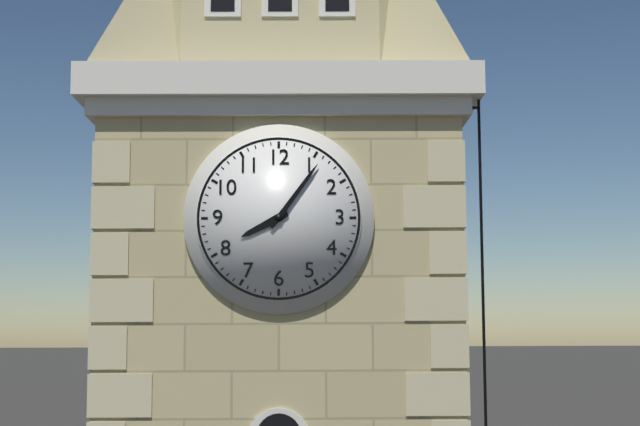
8:06
